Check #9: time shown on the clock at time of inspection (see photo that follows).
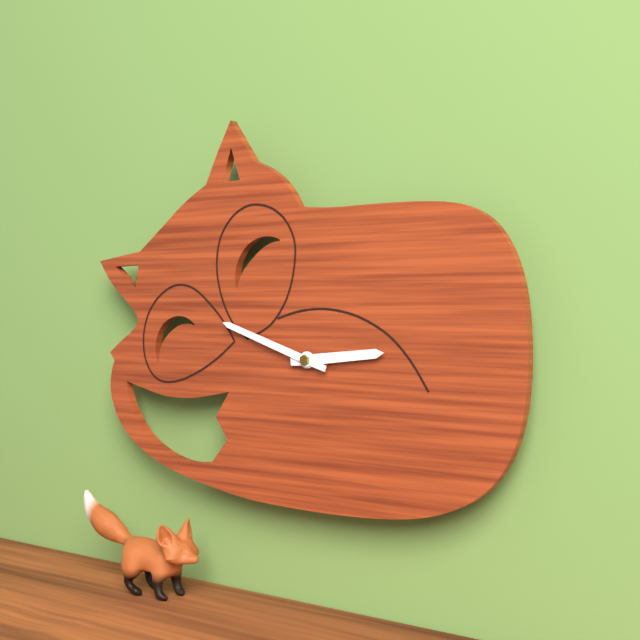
2:48
